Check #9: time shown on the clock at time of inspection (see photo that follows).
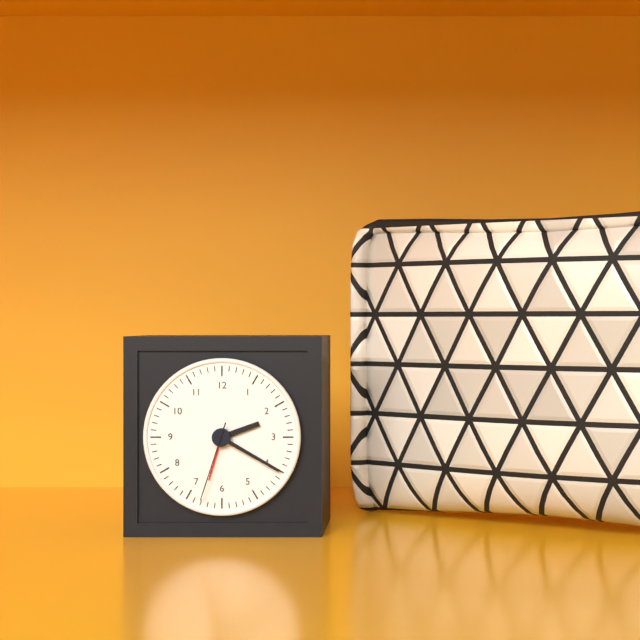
2:20:33
